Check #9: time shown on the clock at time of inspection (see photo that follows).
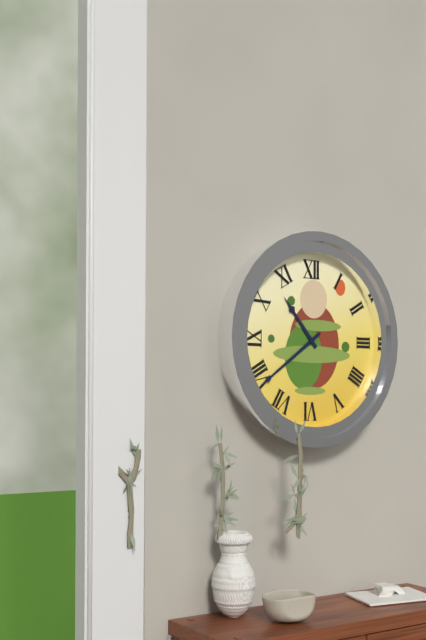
10:39
